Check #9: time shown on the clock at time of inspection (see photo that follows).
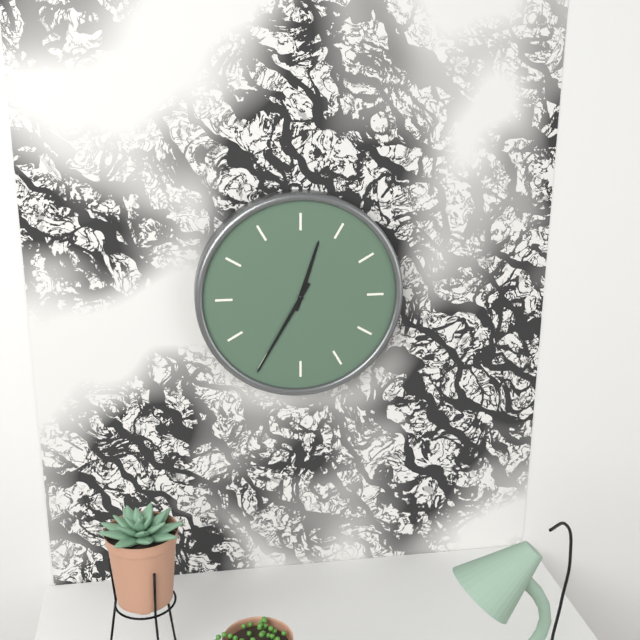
12:35
